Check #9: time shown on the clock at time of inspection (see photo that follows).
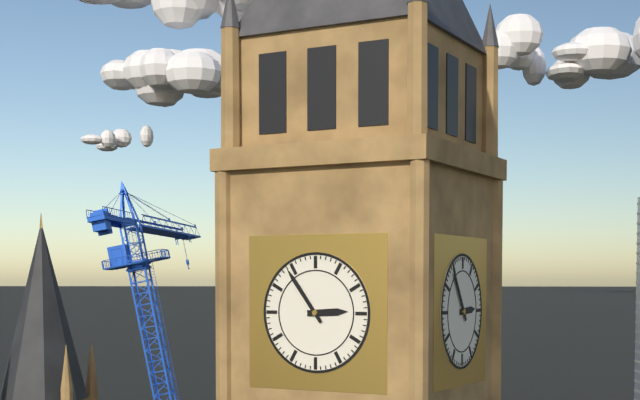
2:54
